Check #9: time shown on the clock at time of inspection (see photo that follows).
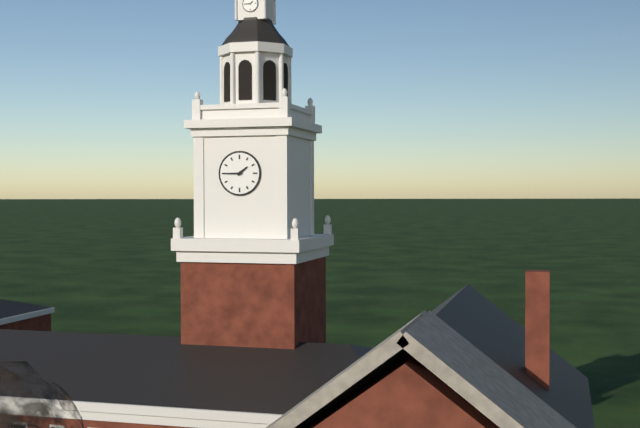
1:45
